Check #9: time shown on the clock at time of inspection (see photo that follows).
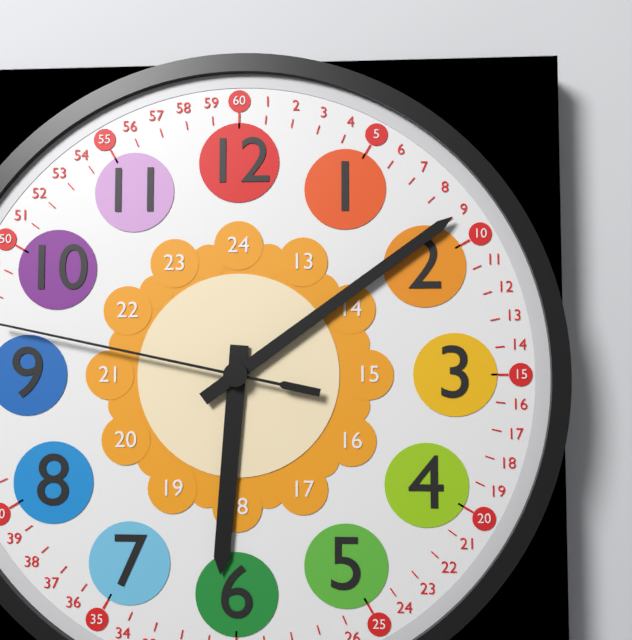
6:09
